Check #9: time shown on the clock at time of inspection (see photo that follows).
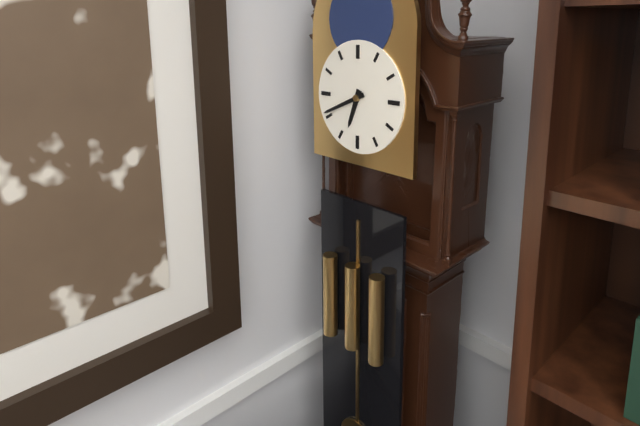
6:41
